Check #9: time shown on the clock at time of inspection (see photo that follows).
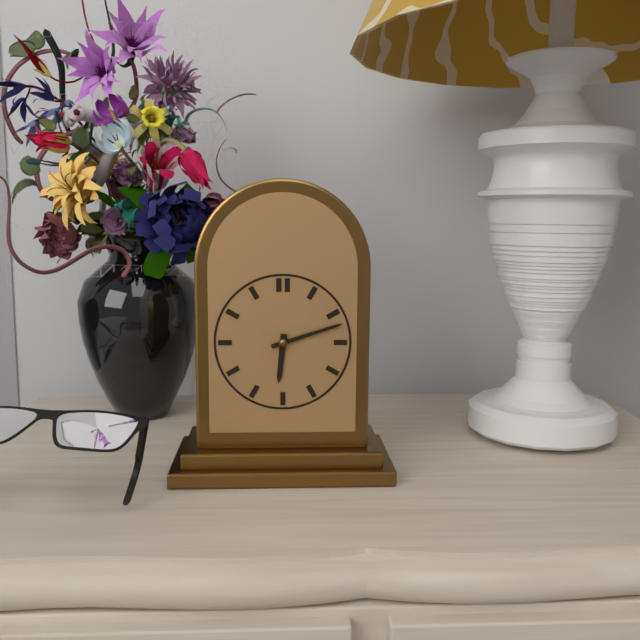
6:12
